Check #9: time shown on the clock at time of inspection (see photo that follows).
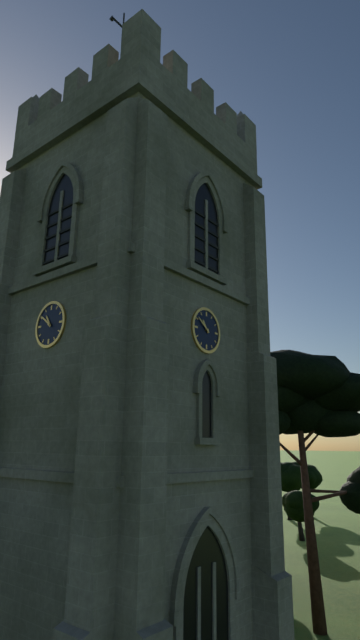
10:51
